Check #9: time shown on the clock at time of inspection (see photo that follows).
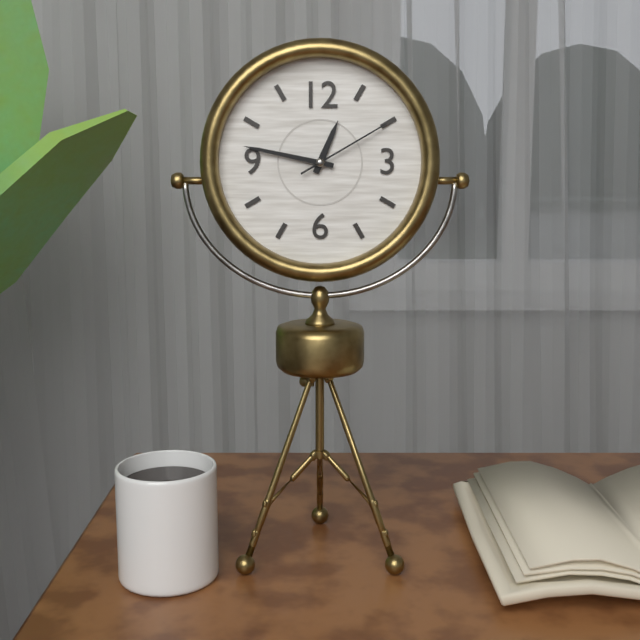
12:47:10
